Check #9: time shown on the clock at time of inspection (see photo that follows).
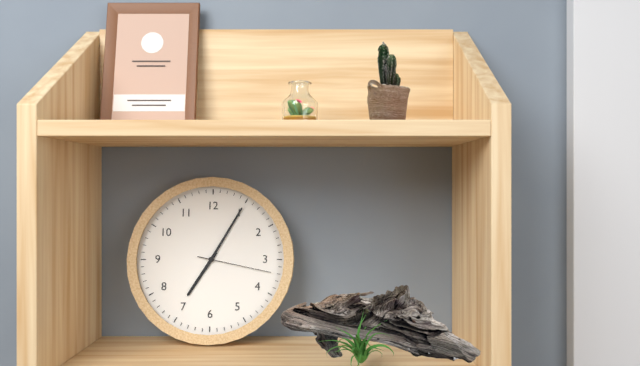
7:05:17
